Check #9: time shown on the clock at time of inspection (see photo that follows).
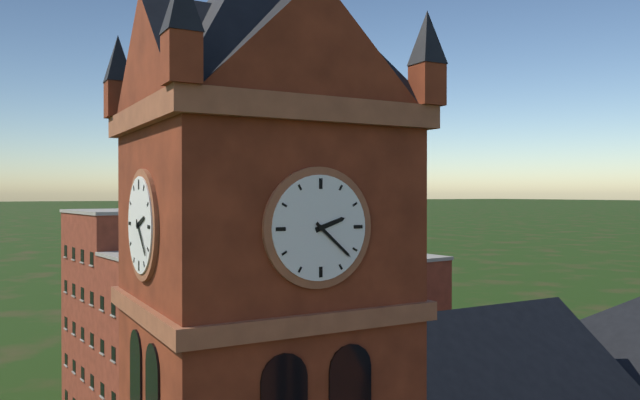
2:22
